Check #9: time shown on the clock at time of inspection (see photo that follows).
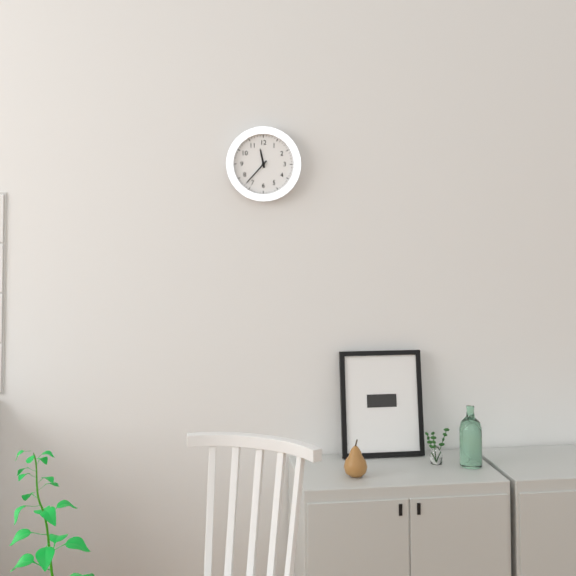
11:37
